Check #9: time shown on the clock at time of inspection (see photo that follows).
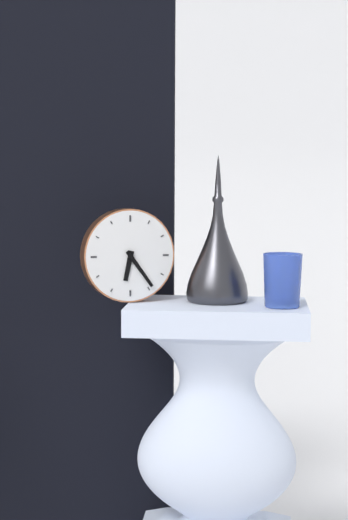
6:24
